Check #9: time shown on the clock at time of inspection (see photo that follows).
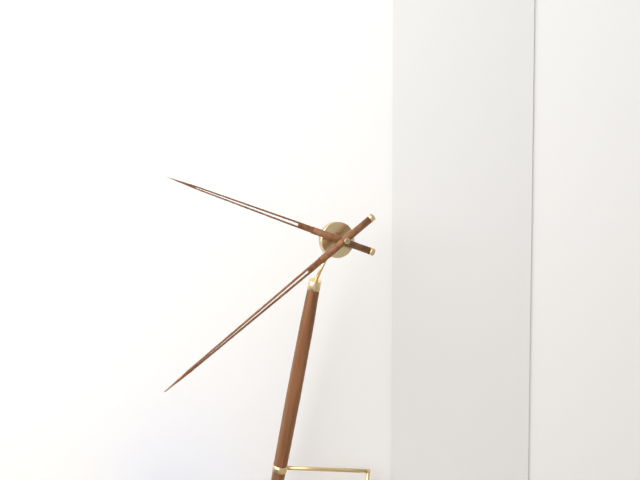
9:39
